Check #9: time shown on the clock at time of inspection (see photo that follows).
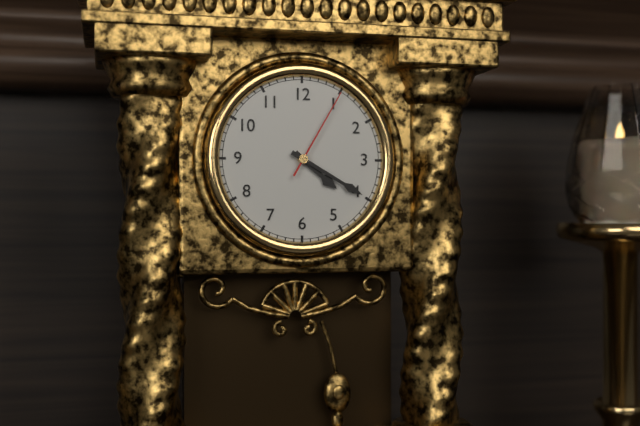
4:20:05
